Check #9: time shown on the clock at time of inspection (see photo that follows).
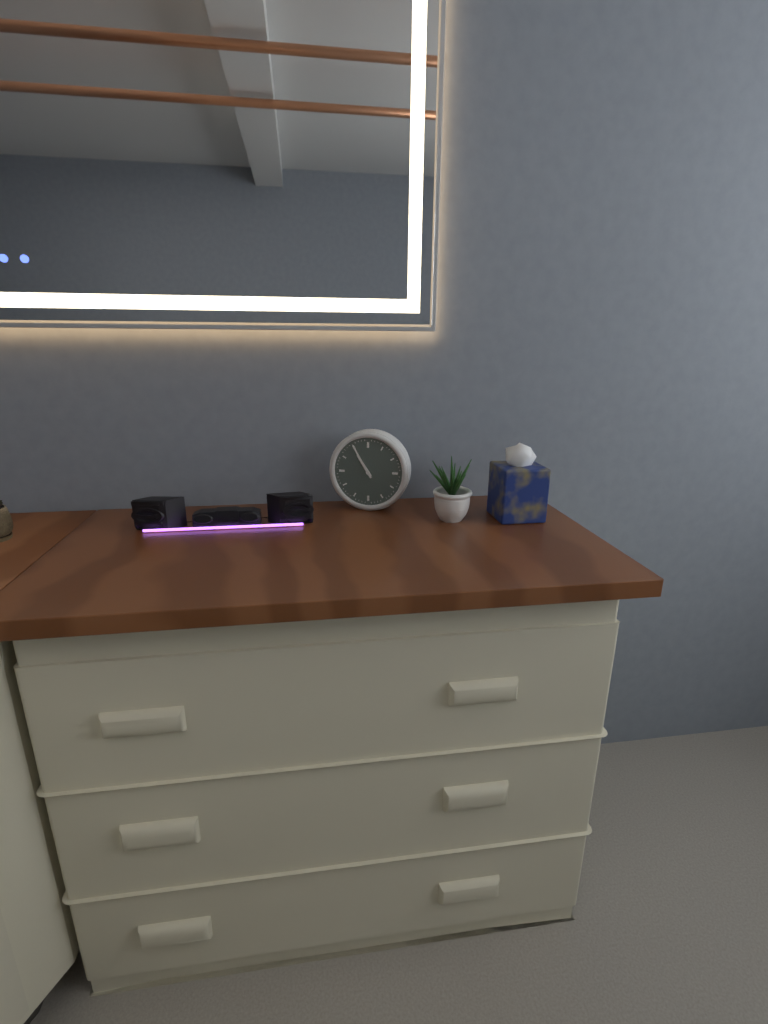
10:55
